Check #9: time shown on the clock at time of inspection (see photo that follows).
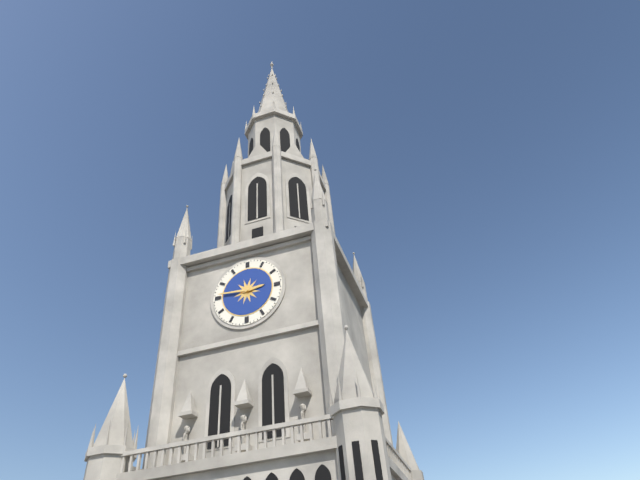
2:46
